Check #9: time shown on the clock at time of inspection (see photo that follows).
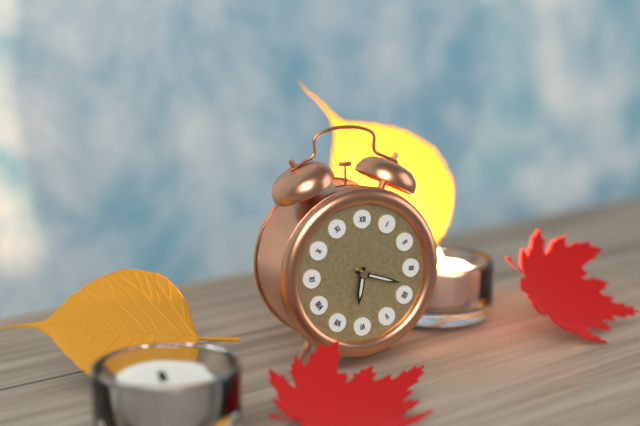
6:18
